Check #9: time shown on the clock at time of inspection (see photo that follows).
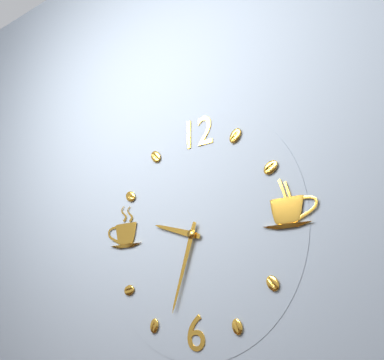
9:33
